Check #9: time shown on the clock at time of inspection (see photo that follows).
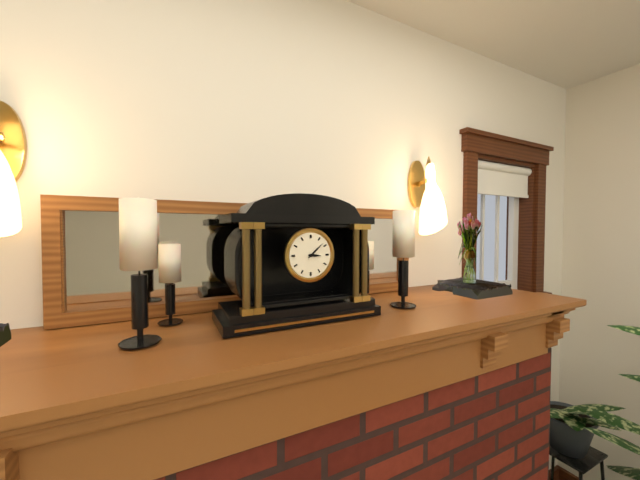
3:08
